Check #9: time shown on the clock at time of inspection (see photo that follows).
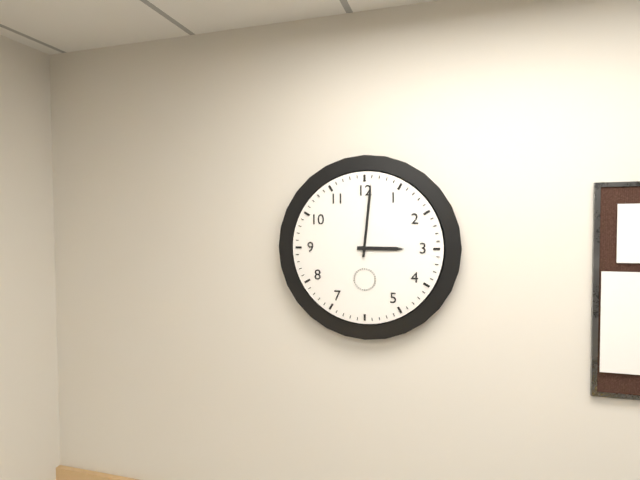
3:01
